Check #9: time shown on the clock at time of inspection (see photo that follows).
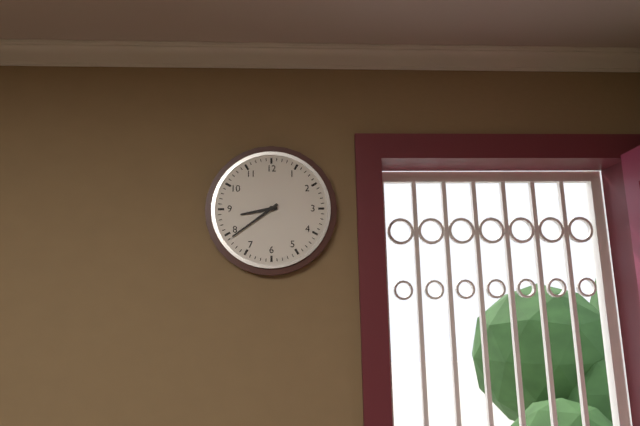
8:39
